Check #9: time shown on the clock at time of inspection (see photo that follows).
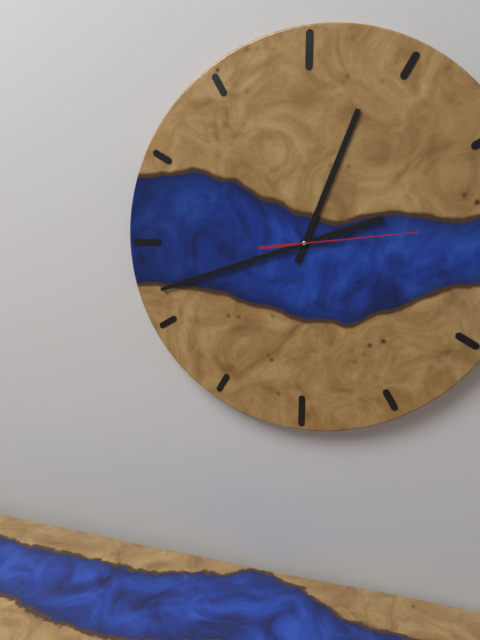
12:42:14
